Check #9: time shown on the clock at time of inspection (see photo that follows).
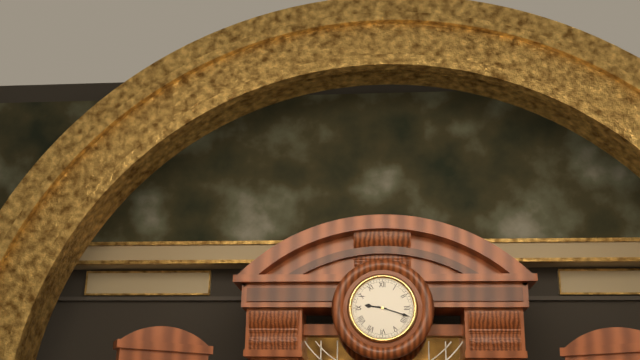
9:18
